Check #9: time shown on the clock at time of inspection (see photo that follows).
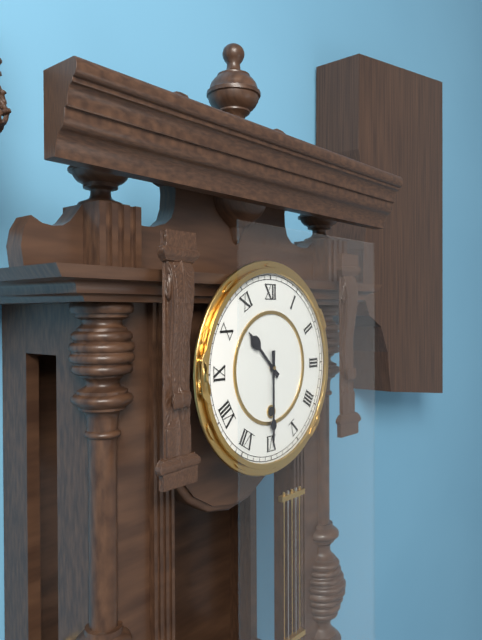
10:30
